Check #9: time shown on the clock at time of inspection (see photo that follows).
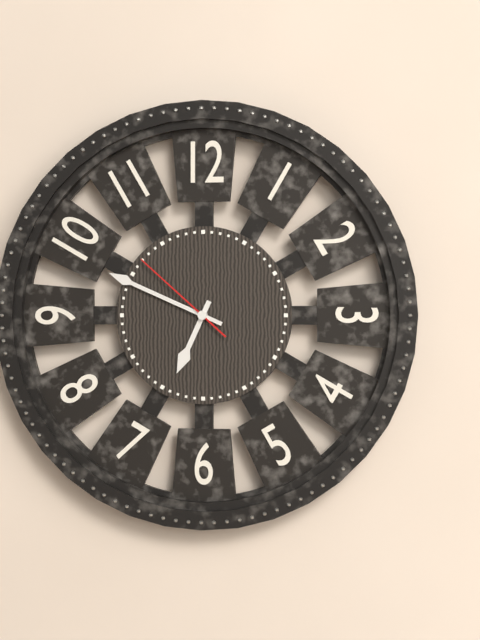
6:49:52
